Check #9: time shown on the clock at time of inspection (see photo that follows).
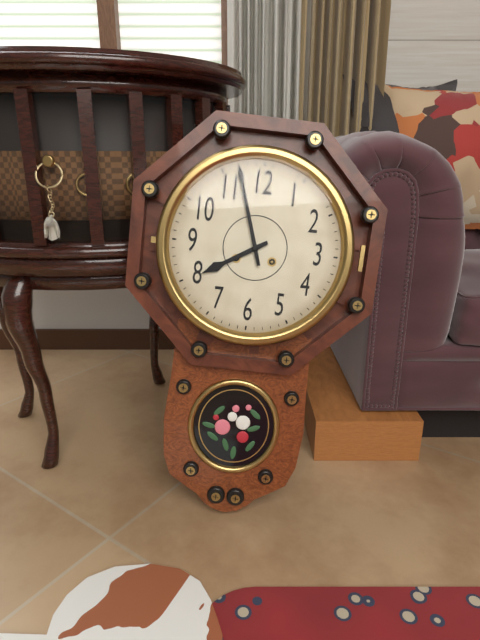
7:57
